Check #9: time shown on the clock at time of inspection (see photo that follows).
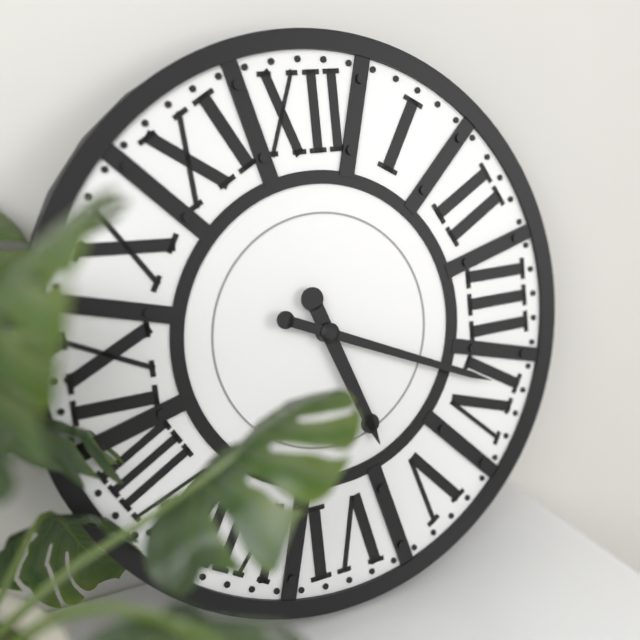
5:19
